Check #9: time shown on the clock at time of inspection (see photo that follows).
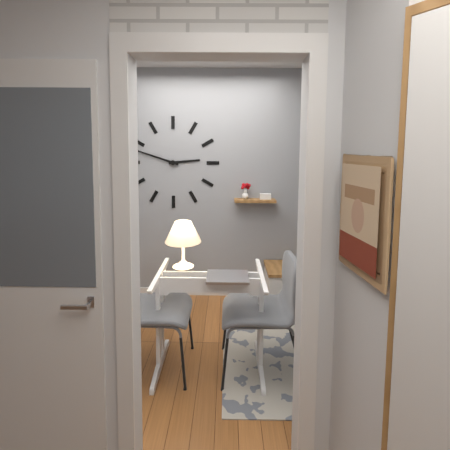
2:48
